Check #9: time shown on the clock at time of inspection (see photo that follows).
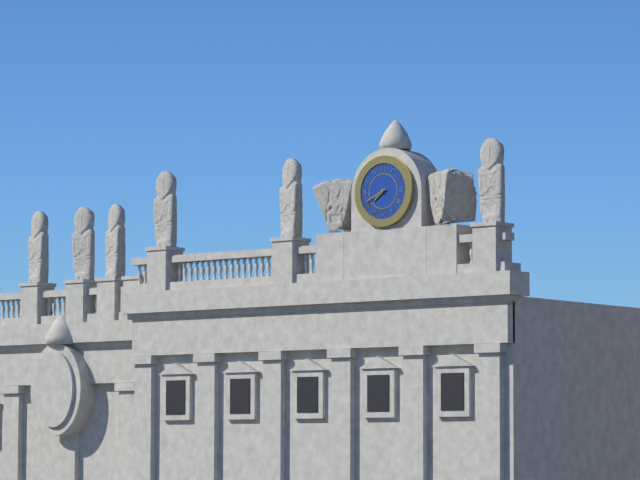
7:41
